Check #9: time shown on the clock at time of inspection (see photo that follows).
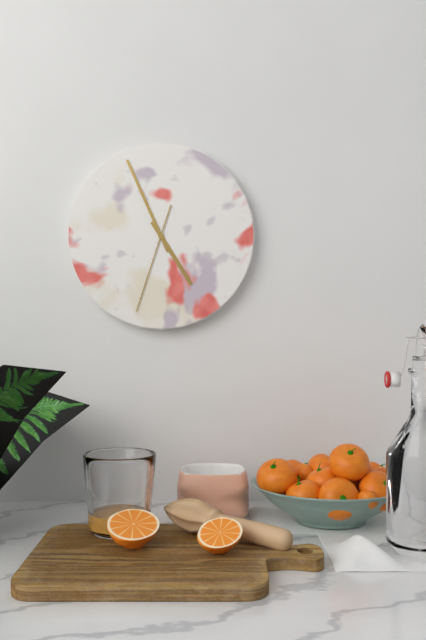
4:56:33
